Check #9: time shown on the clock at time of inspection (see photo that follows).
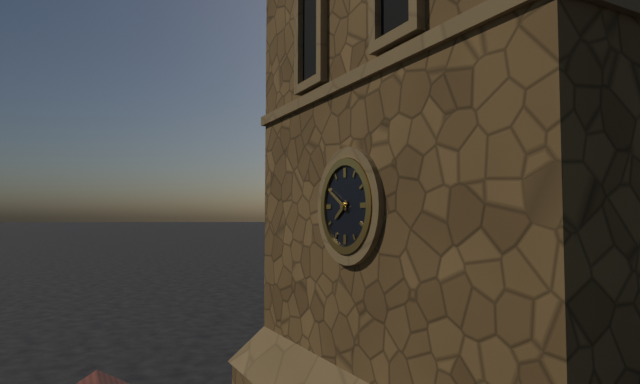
7:50
